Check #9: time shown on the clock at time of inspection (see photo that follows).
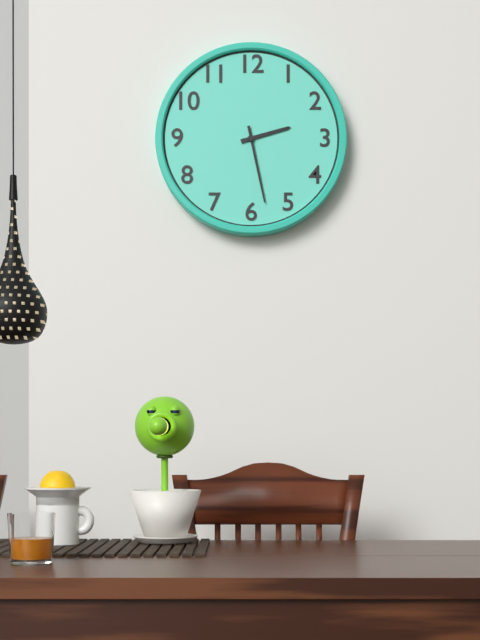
2:28
